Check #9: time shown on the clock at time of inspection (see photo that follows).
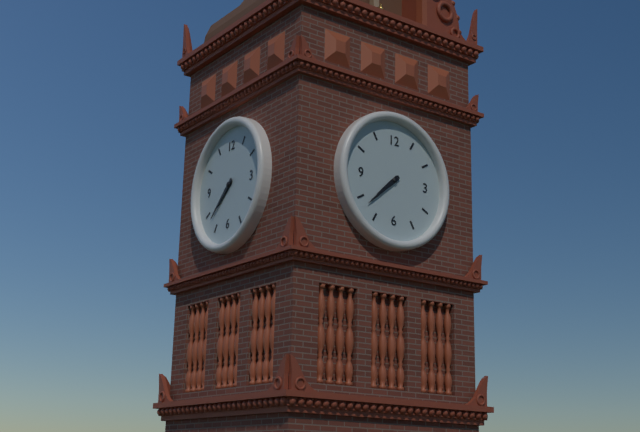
7:38
